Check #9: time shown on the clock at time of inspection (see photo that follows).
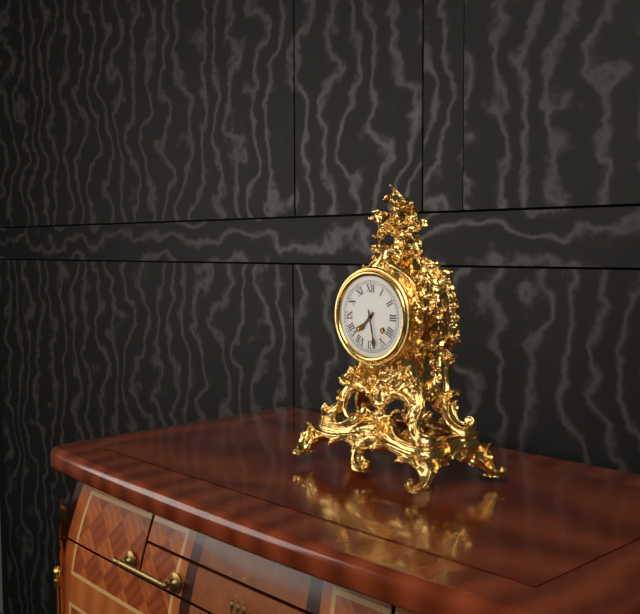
7:28
